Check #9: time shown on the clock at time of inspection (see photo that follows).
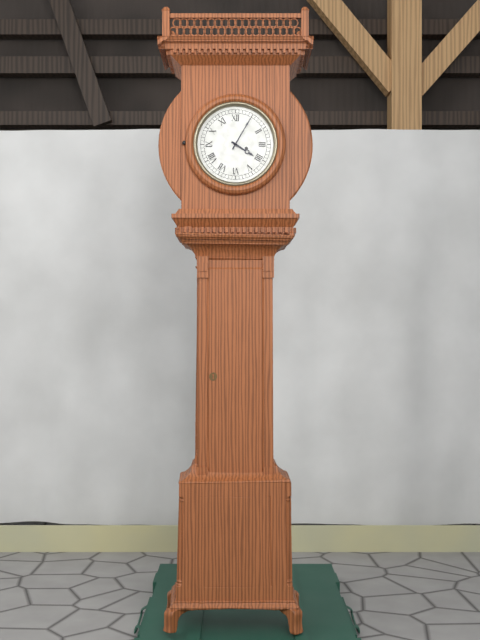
4:05
